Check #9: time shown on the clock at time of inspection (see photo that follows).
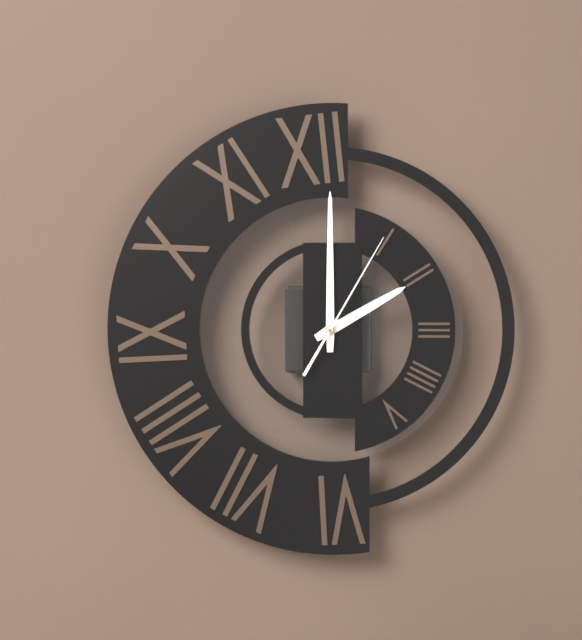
2:00:05
